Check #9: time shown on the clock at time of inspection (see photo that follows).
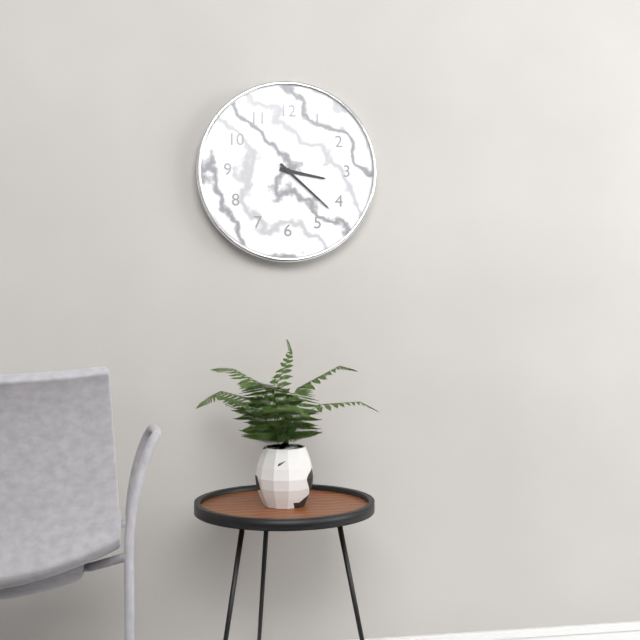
3:22
